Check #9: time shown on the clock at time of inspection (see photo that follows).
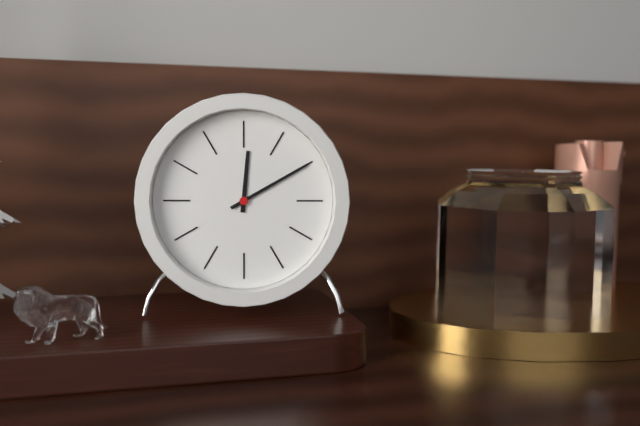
12:10
